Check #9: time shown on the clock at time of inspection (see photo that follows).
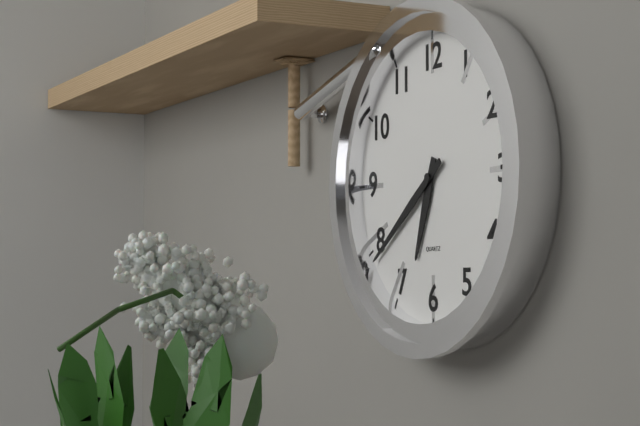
6:39
